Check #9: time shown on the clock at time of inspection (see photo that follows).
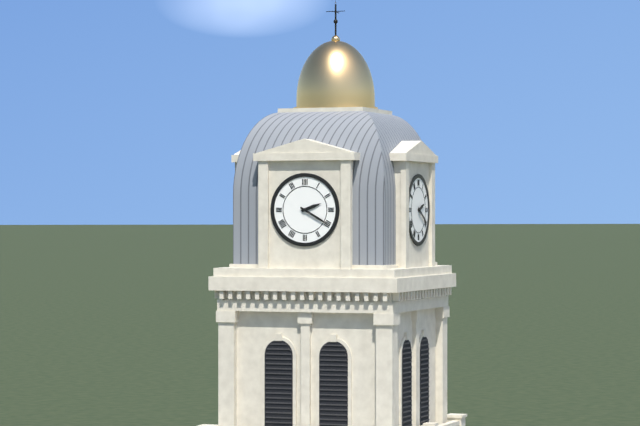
2:20
